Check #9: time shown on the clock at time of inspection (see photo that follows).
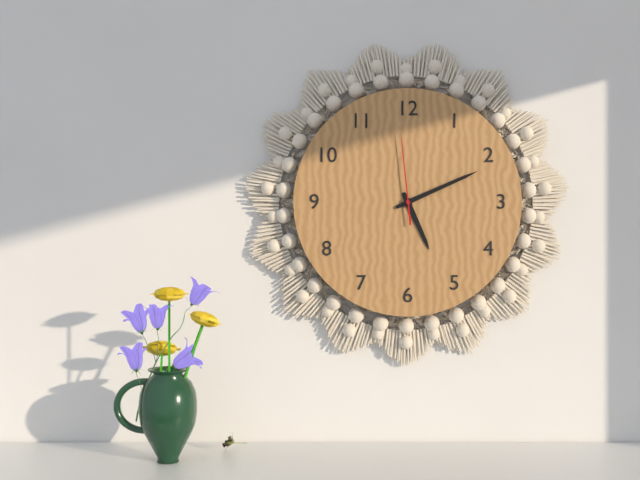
5:11:59
